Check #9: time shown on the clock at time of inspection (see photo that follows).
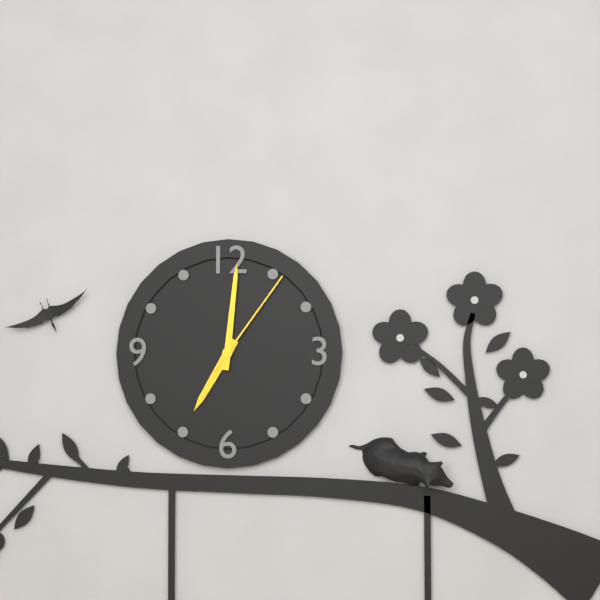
7:01:06
